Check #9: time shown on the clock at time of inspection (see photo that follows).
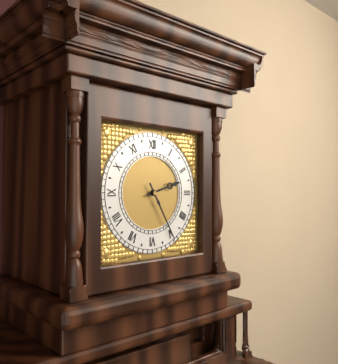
2:25
